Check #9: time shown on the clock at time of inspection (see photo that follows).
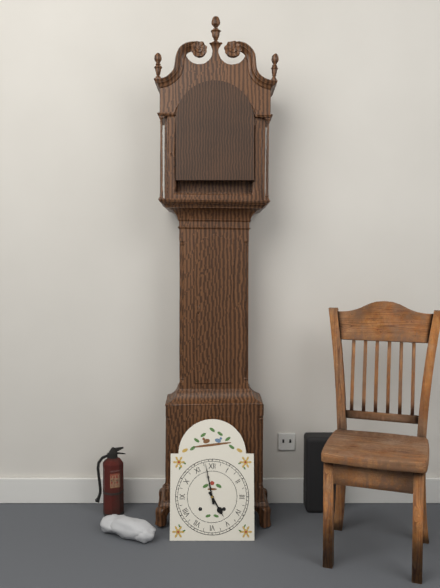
4:58
